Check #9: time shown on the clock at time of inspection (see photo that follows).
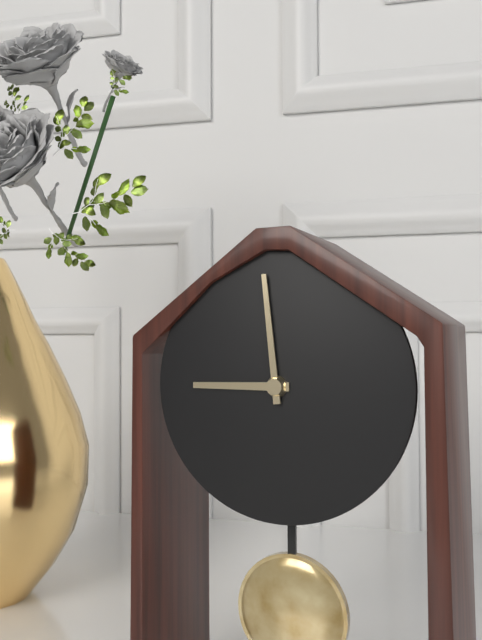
8:59
